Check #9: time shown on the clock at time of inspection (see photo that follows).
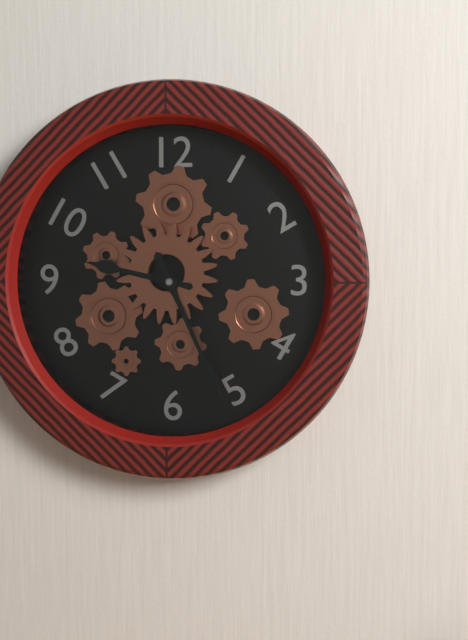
9:26
